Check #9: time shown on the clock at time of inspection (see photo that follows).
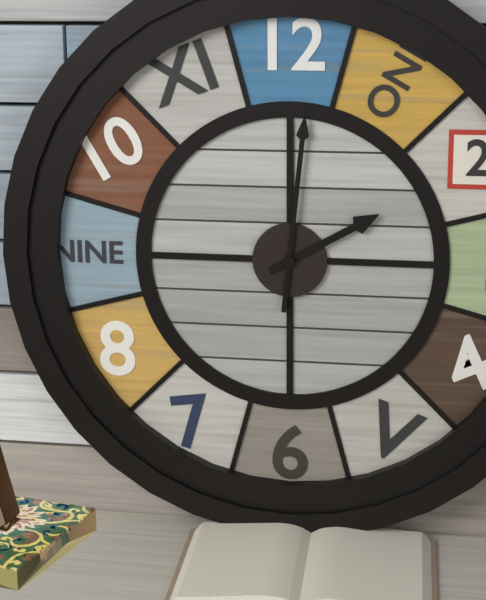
2:01
